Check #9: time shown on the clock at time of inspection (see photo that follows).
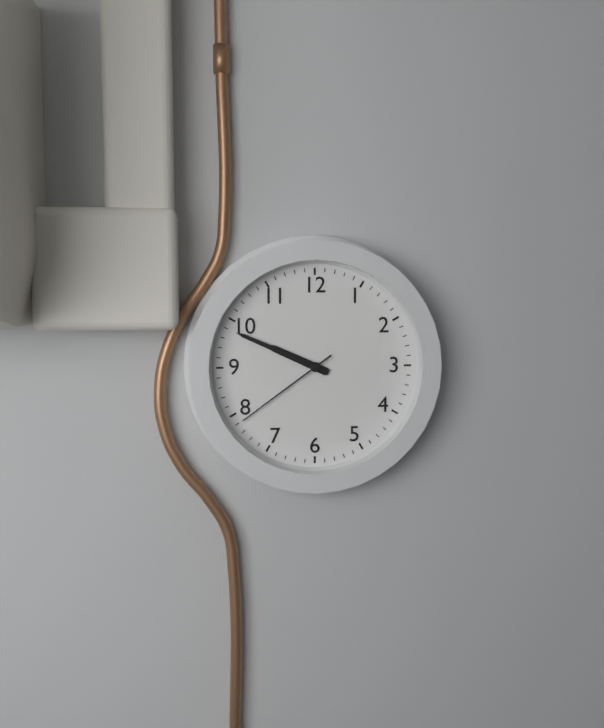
9:49:39
